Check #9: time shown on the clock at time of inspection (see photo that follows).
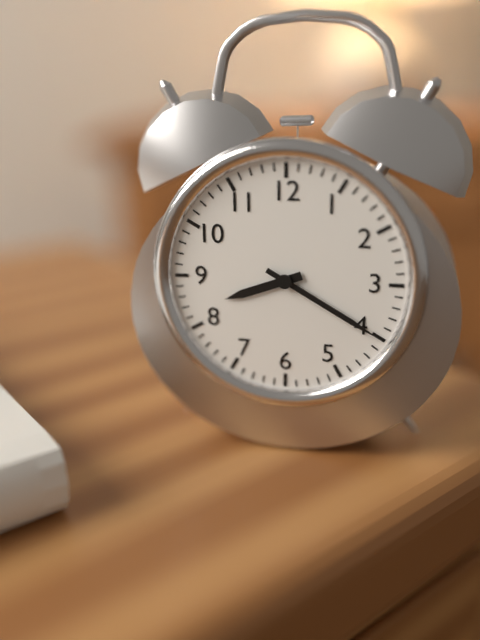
8:20
